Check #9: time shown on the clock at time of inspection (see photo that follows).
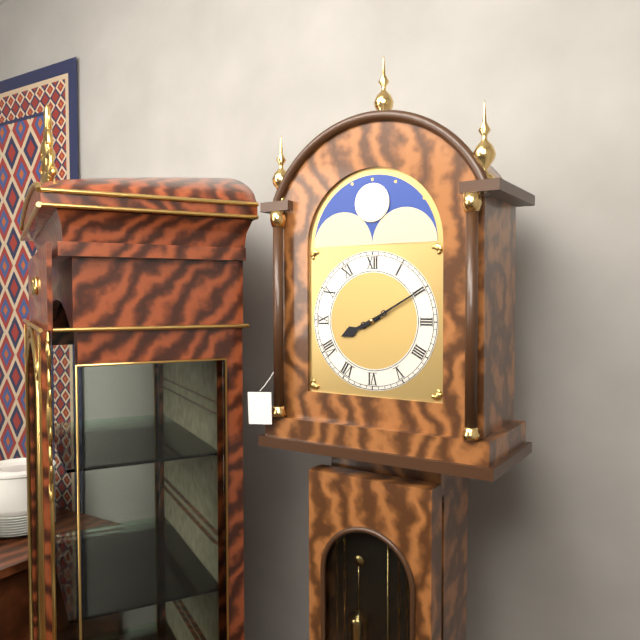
8:10
